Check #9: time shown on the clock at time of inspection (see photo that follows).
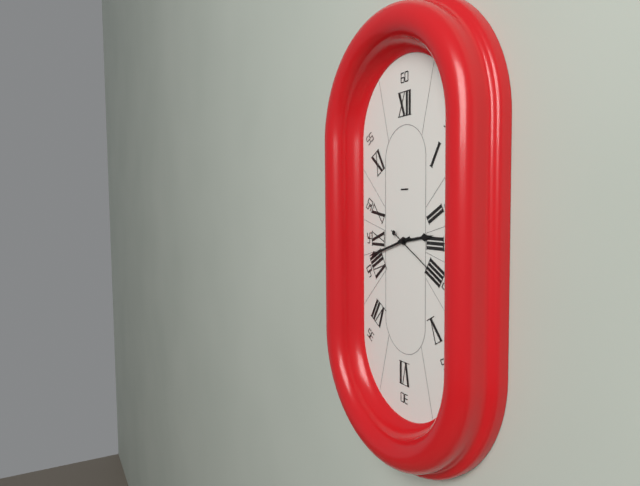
2:42:20
